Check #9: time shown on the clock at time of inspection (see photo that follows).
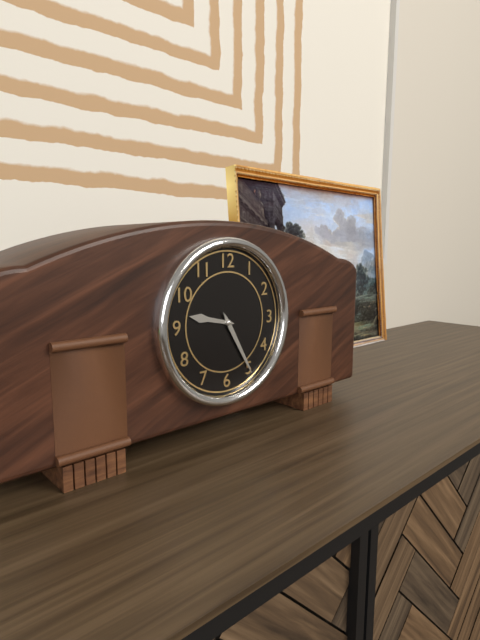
9:25
